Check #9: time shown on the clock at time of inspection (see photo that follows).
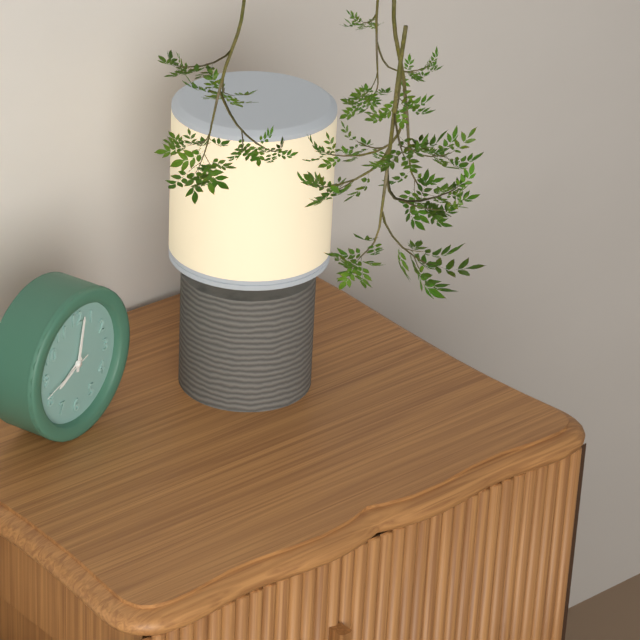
8:02:42
